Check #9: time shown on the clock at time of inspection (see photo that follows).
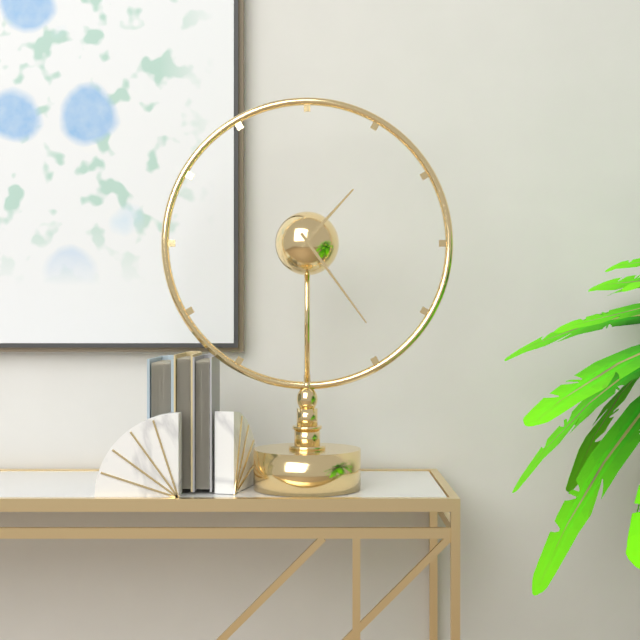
1:24
